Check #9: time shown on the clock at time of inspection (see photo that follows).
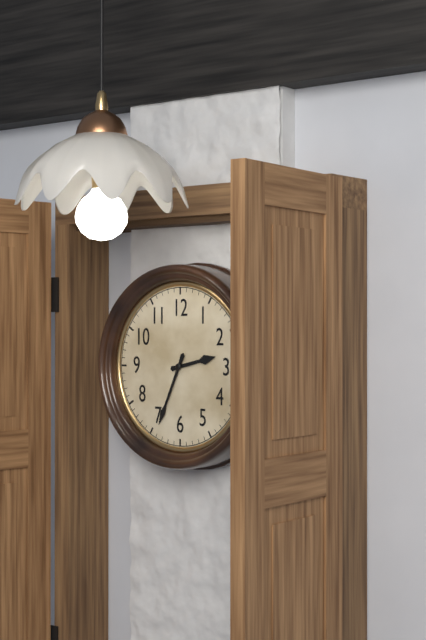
2:34
